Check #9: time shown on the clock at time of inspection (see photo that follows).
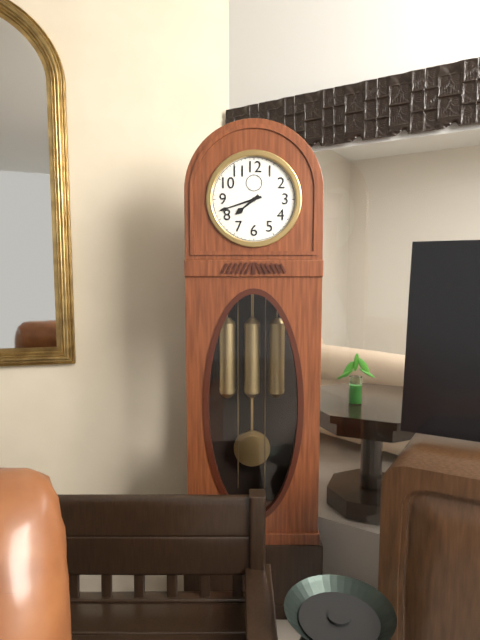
7:42
